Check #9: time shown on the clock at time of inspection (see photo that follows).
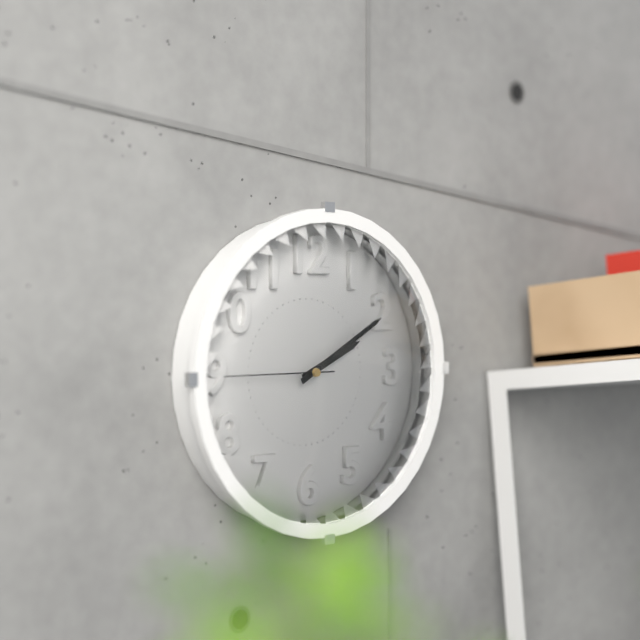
2:10:45
